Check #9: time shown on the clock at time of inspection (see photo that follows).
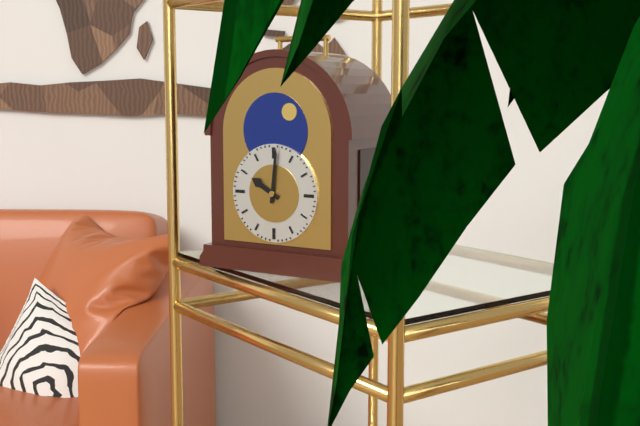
10:01
